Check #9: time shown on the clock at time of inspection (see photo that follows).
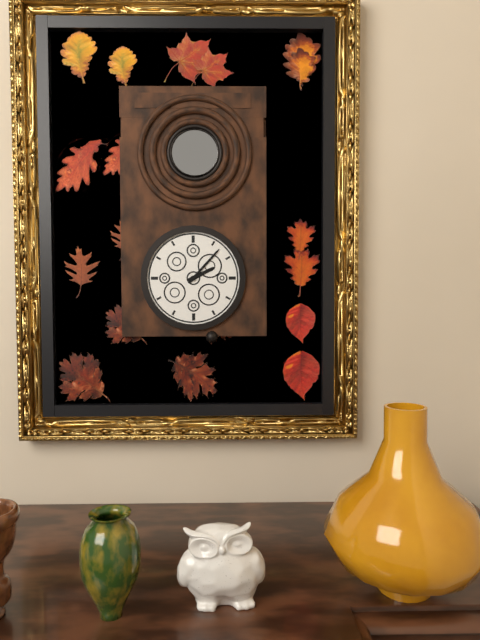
2:07
